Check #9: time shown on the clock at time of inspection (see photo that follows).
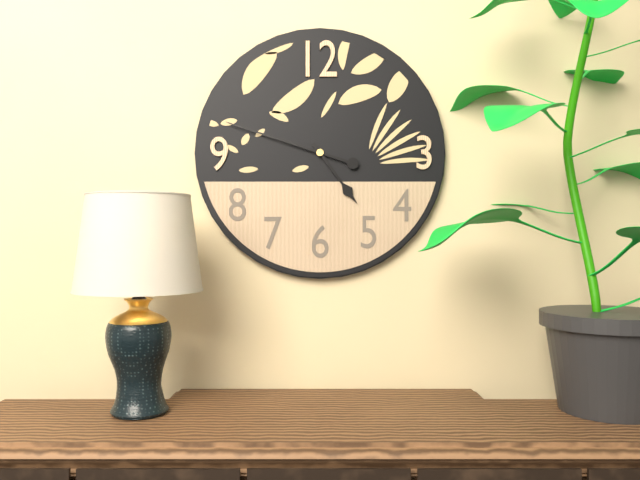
4:48
